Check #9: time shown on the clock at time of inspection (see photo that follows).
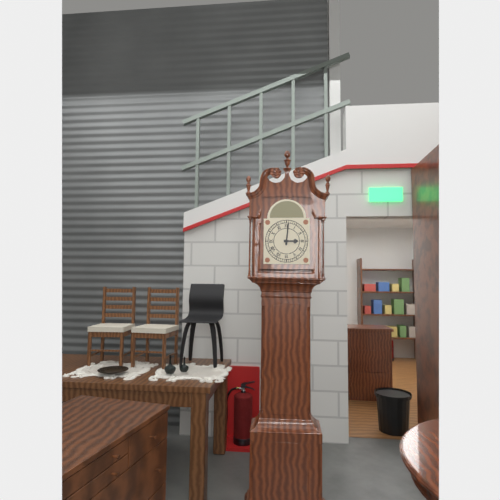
3:01
